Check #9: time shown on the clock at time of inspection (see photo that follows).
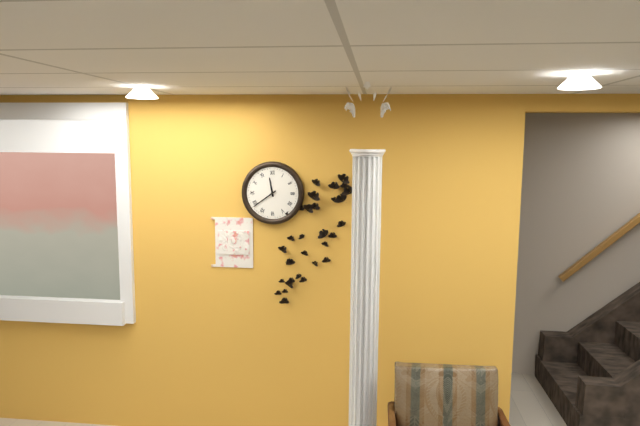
11:39
